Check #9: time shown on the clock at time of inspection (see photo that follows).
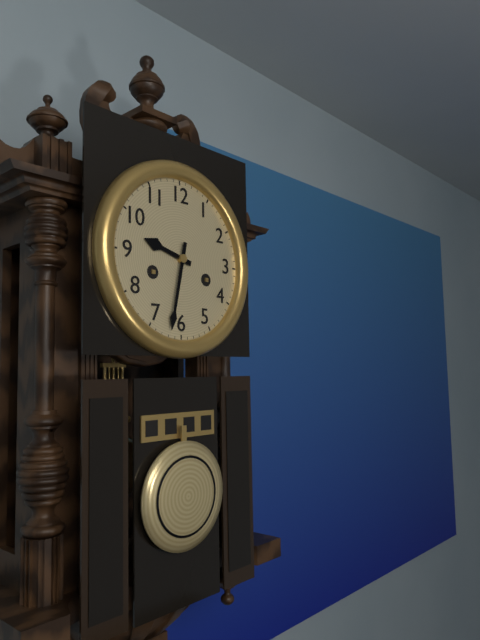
9:32
